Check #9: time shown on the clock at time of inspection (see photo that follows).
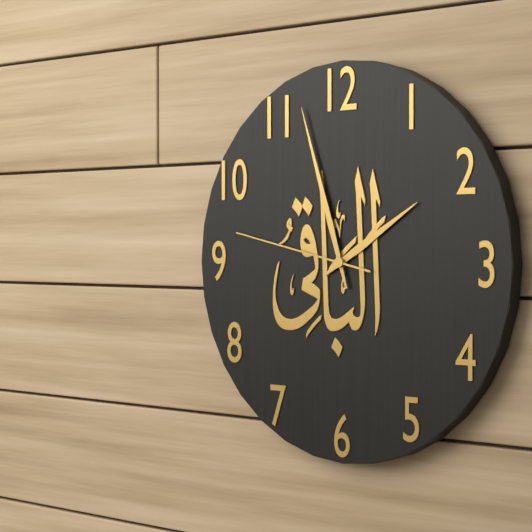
1:57:47
